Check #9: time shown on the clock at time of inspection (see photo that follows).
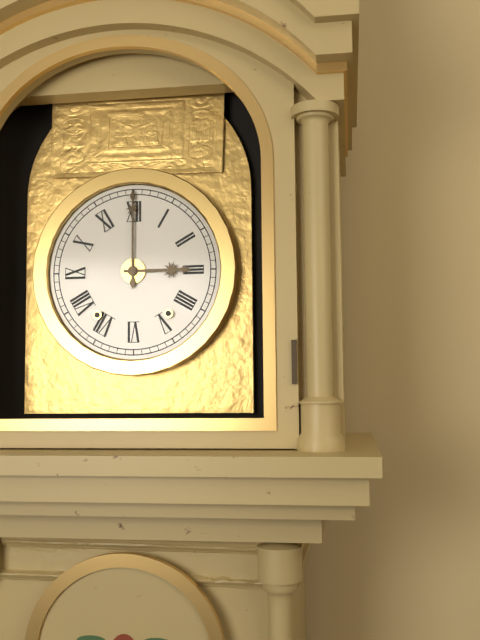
3:00
